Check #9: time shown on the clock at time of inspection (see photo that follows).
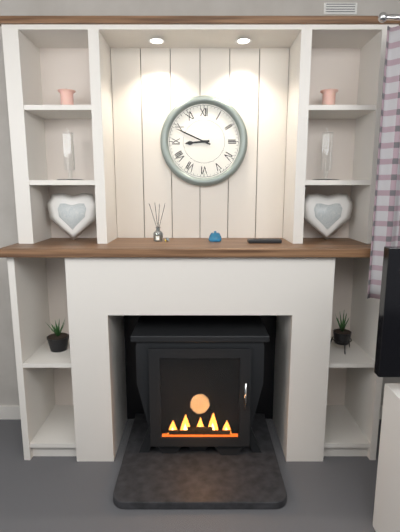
8:49
